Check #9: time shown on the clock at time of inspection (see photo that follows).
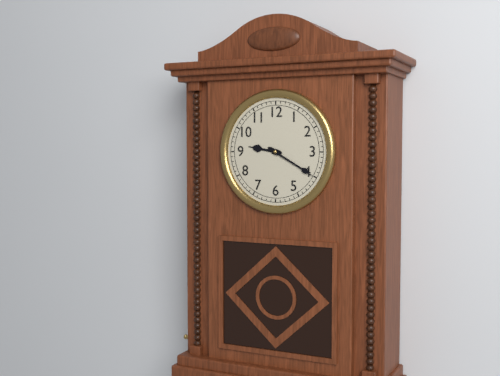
9:20
